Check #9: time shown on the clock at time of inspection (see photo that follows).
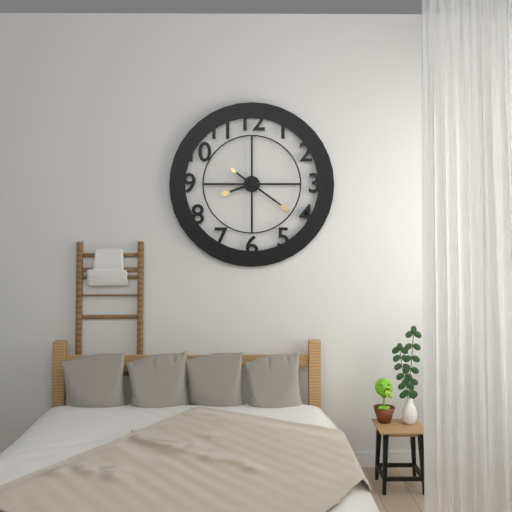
8:21
